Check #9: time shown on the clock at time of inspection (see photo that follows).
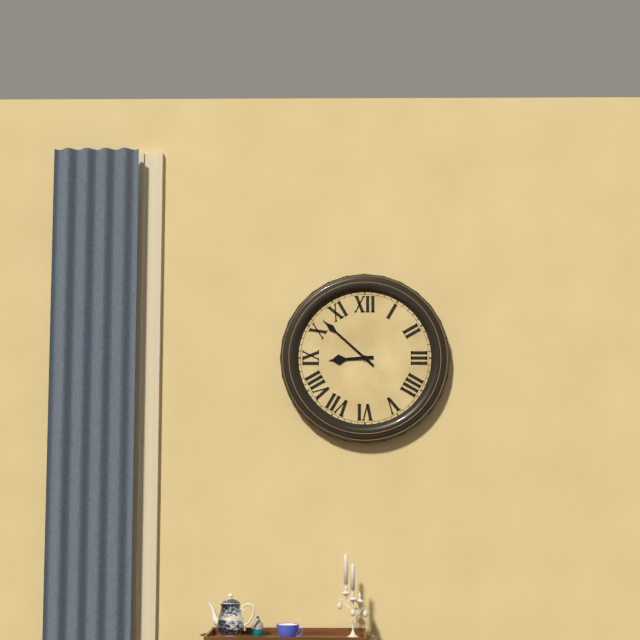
8:52
